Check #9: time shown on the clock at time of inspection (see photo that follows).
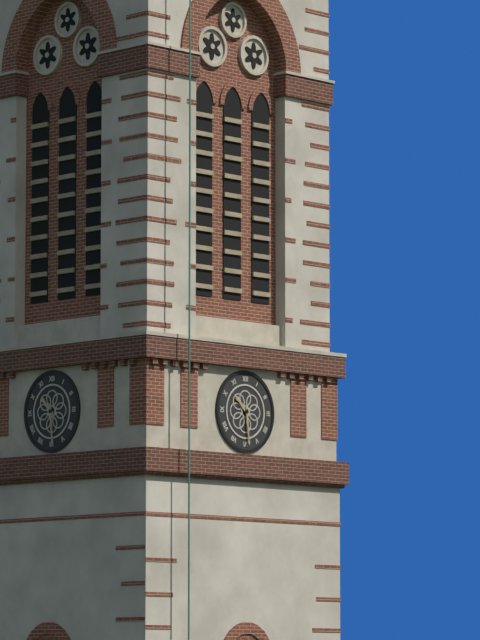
10:29
